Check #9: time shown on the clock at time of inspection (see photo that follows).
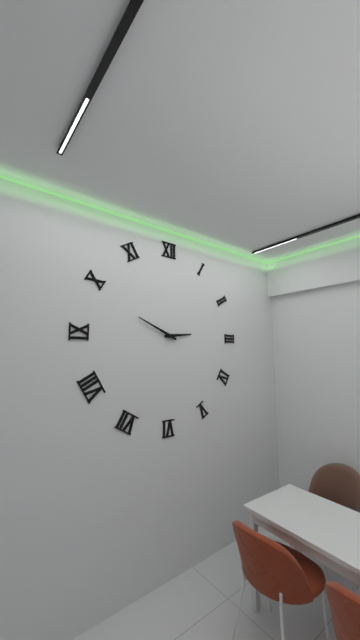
2:49
